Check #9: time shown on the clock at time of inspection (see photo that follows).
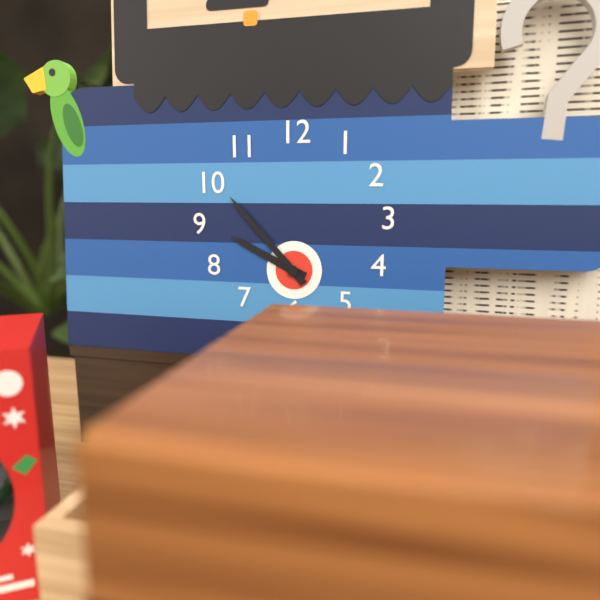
9:53
